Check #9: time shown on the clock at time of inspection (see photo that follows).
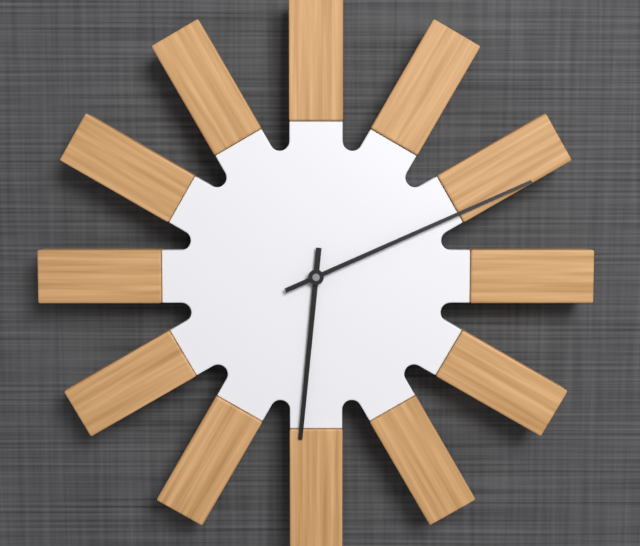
6:11
